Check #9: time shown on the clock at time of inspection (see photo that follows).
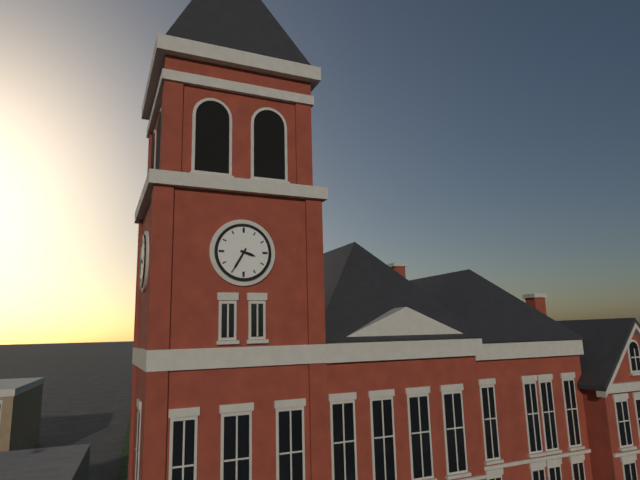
3:35
